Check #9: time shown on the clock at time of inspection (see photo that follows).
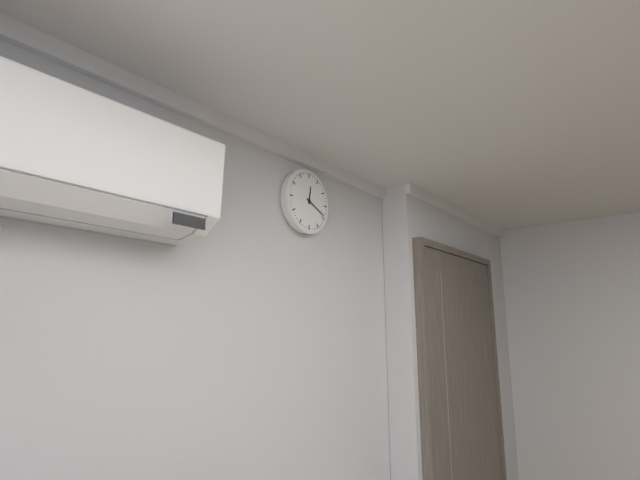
12:19
